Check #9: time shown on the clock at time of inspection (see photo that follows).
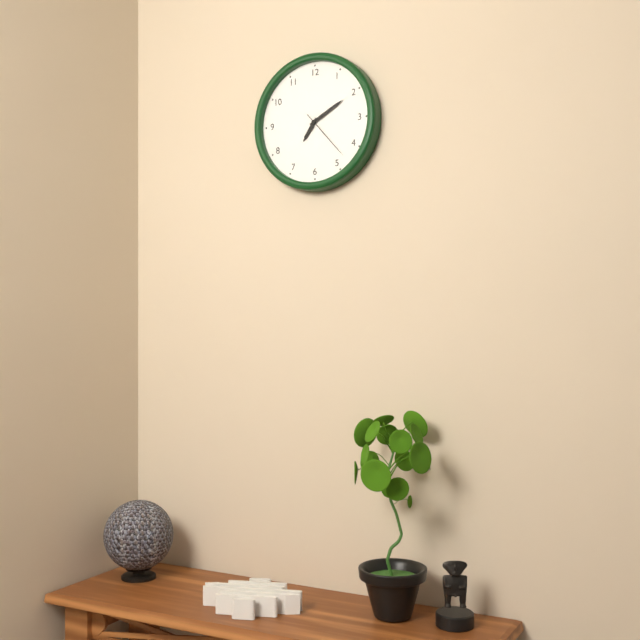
7:10:23
